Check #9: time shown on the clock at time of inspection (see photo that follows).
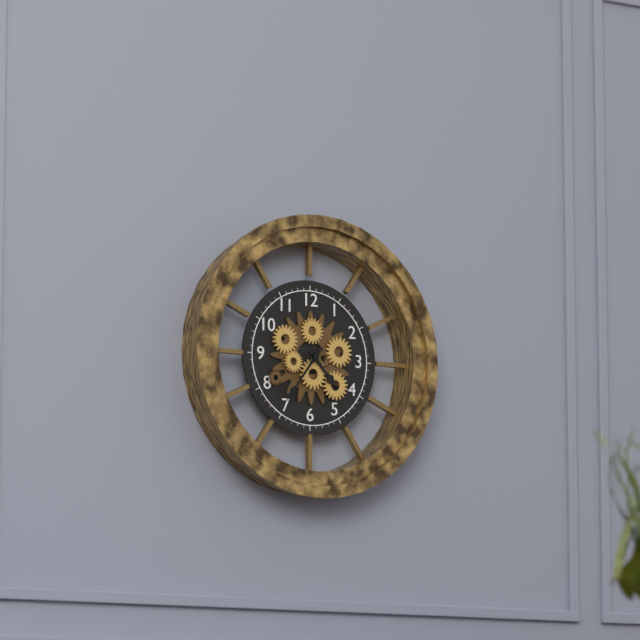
4:36
